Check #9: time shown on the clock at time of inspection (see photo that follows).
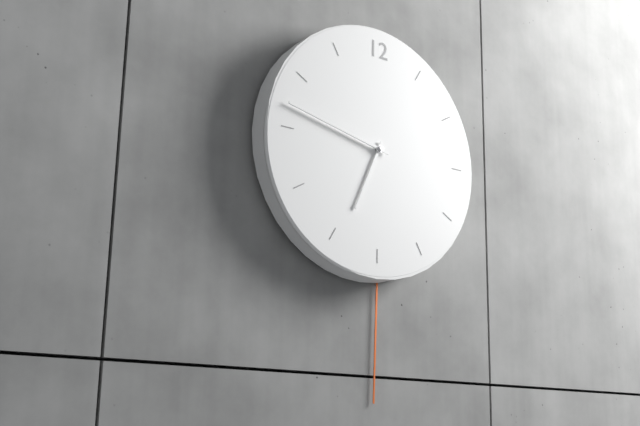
6:47
